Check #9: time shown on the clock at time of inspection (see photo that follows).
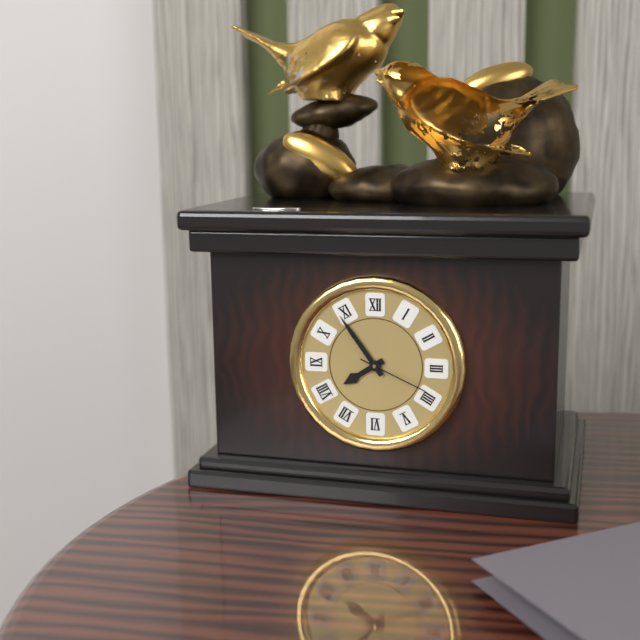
7:54:19
